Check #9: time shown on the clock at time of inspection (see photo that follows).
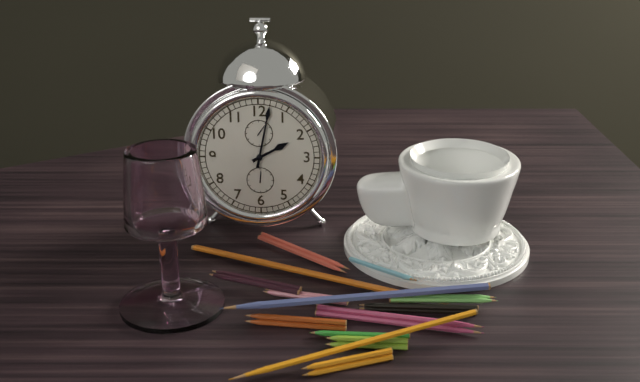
2:02
